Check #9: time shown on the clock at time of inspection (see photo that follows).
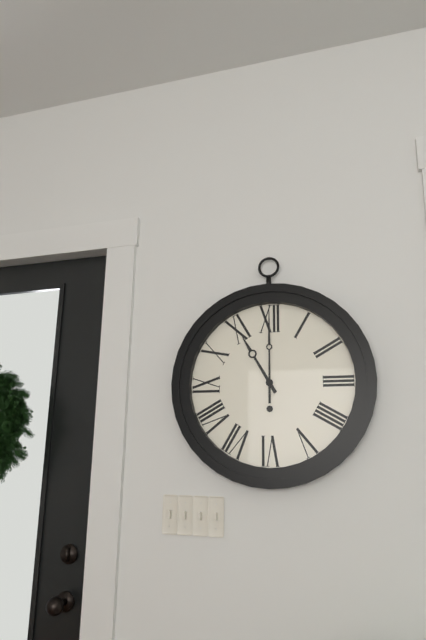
11:00
